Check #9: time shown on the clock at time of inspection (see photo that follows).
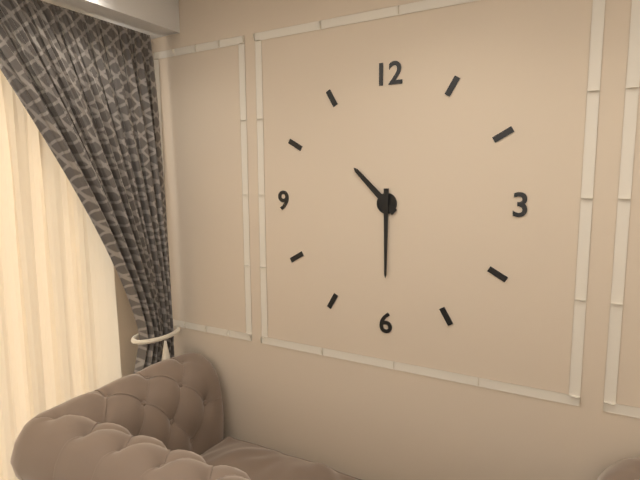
10:30
